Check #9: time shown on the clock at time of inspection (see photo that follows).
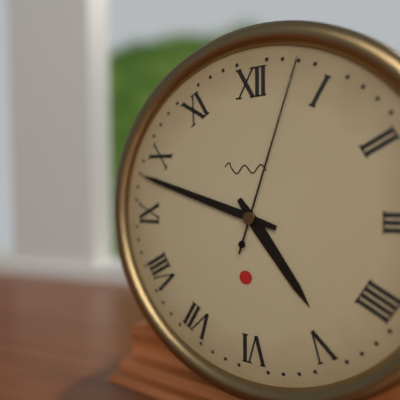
4:48:03
